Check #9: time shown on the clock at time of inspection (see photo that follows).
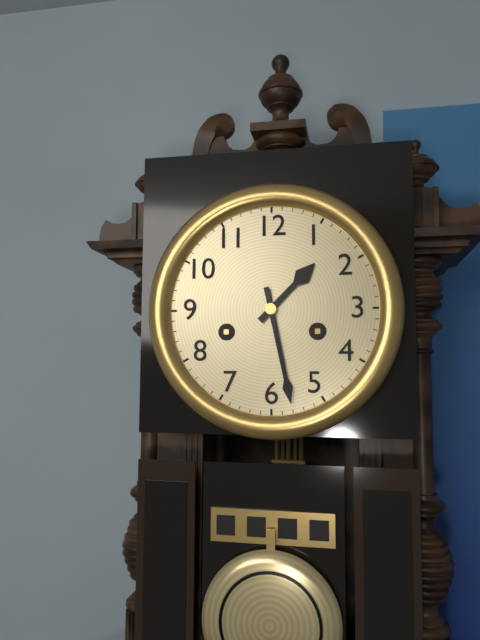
1:28
